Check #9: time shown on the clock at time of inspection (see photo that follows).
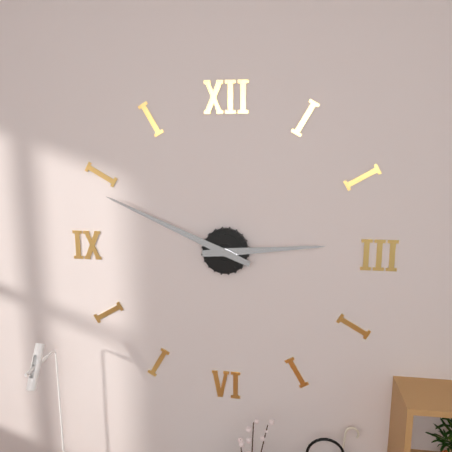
2:49
